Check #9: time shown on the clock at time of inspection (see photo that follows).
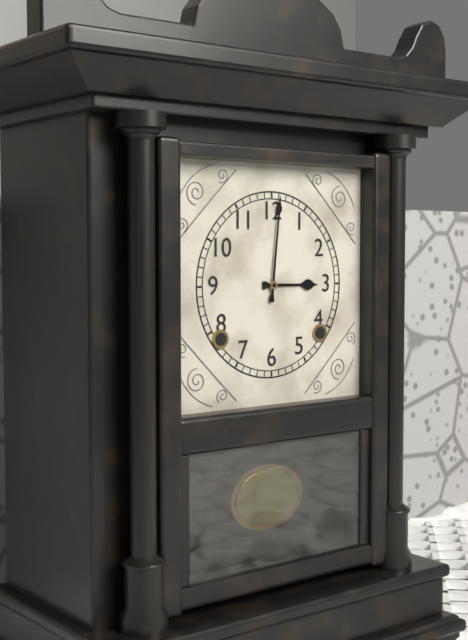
3:01
